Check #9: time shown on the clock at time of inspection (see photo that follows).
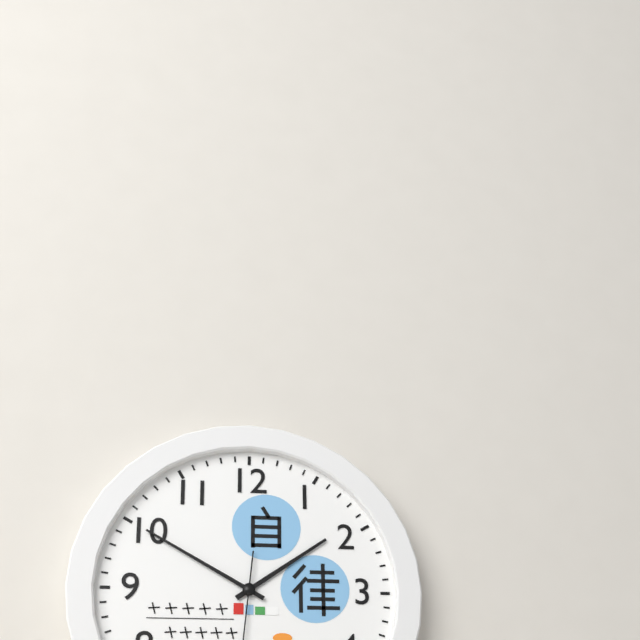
1:50
